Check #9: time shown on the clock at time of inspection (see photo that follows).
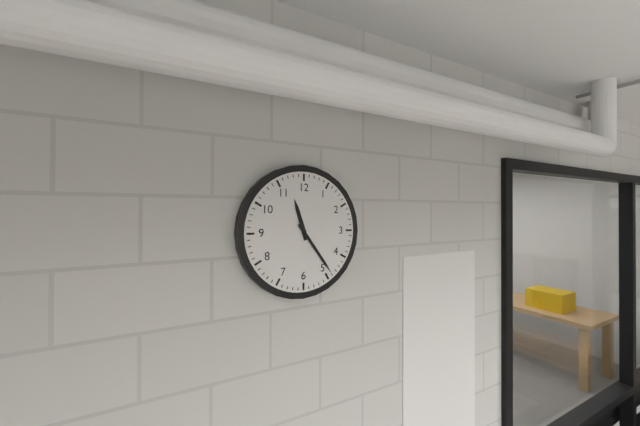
11:24
